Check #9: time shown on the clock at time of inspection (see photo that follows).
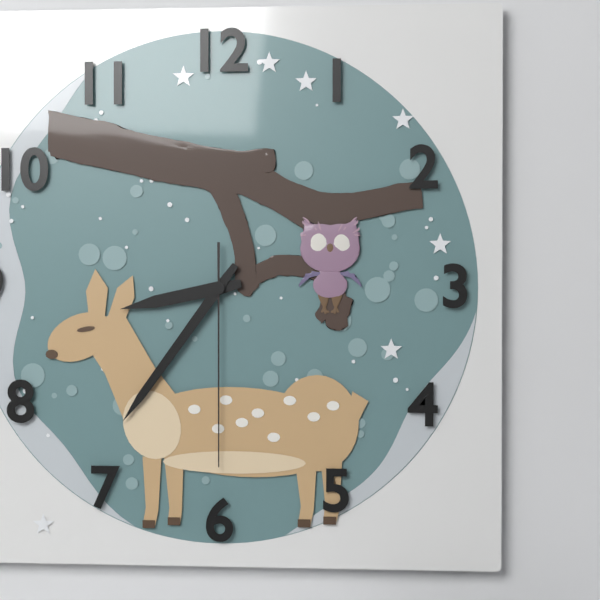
8:36:30
